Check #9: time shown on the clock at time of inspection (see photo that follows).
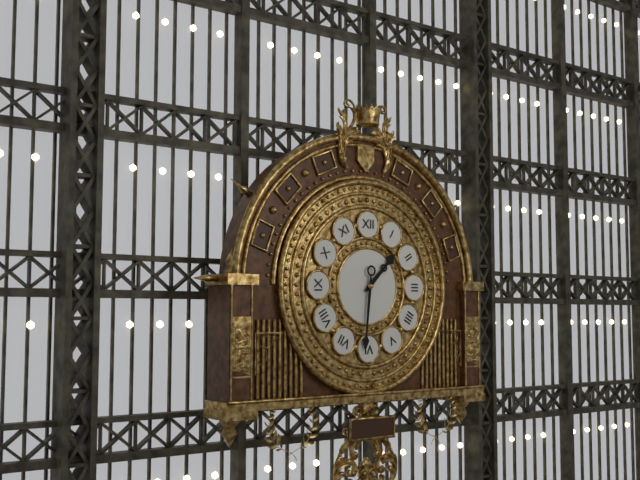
1:31
